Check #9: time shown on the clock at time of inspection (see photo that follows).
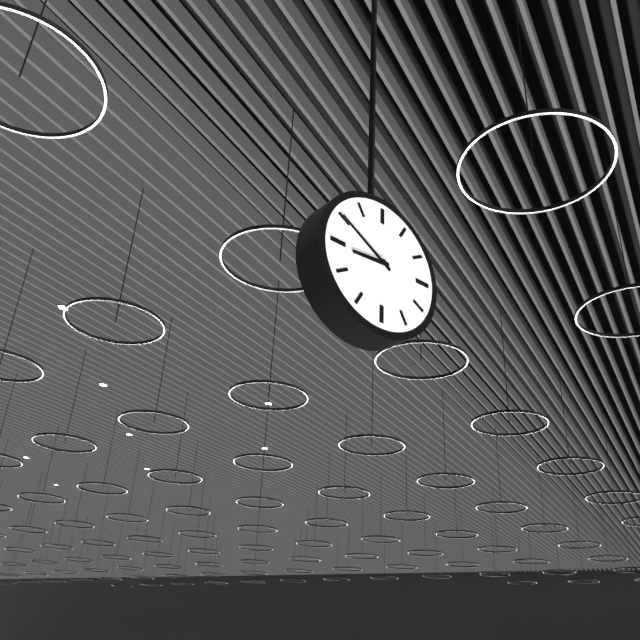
8:50
